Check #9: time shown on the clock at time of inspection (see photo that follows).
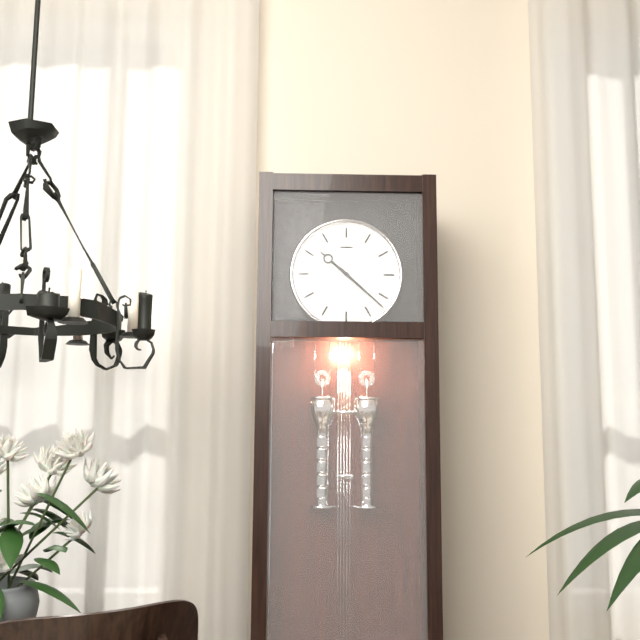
10:22
